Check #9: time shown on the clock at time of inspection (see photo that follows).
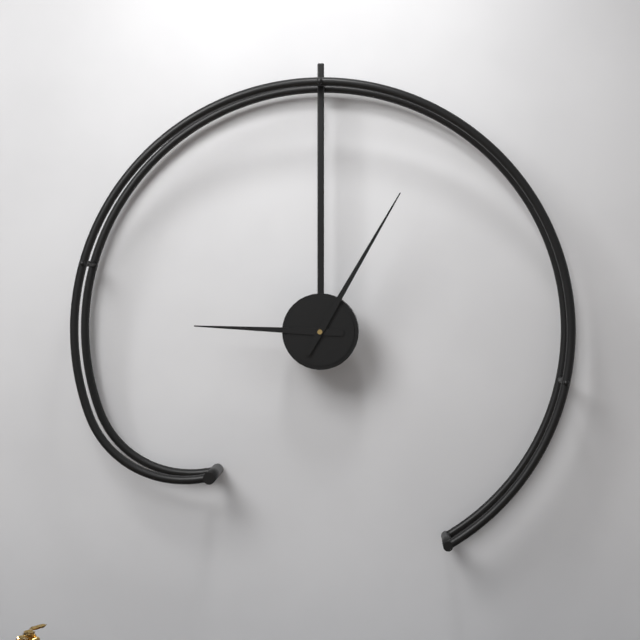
9:05
